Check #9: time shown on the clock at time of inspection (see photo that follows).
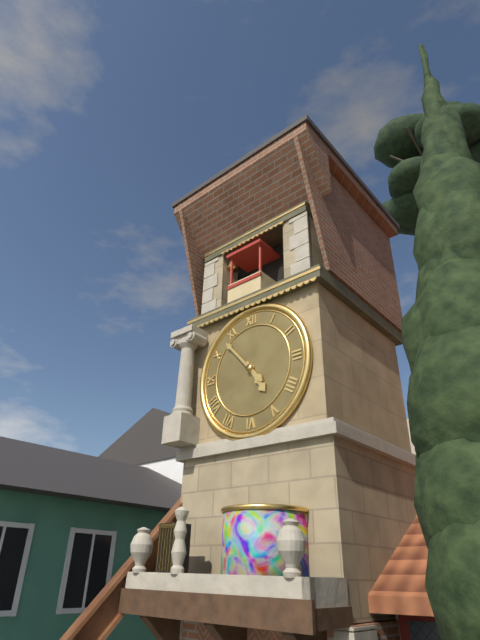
4:53
